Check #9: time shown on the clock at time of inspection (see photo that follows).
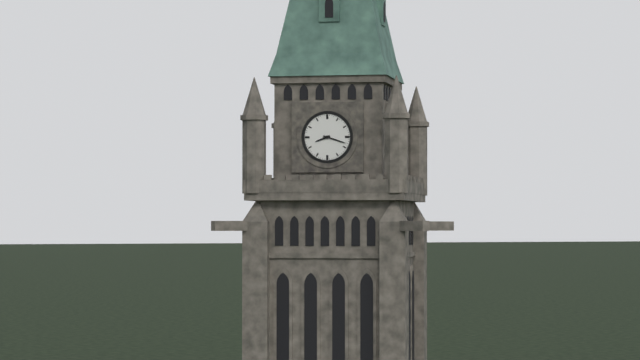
8:18
